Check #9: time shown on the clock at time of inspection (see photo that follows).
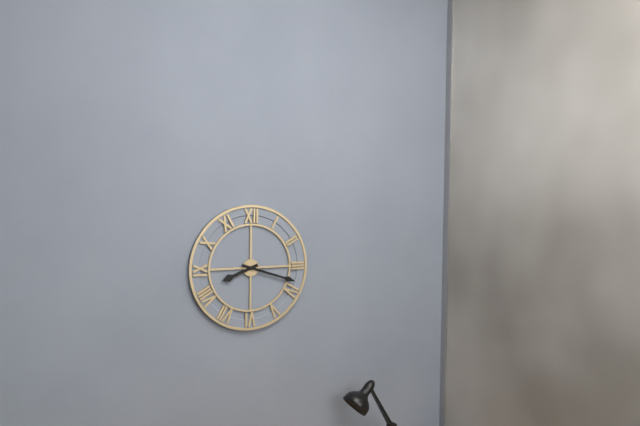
8:18
